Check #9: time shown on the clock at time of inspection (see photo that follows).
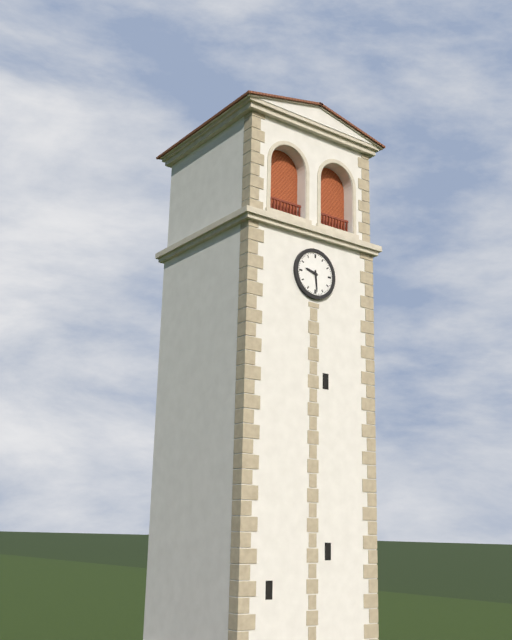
9:29
